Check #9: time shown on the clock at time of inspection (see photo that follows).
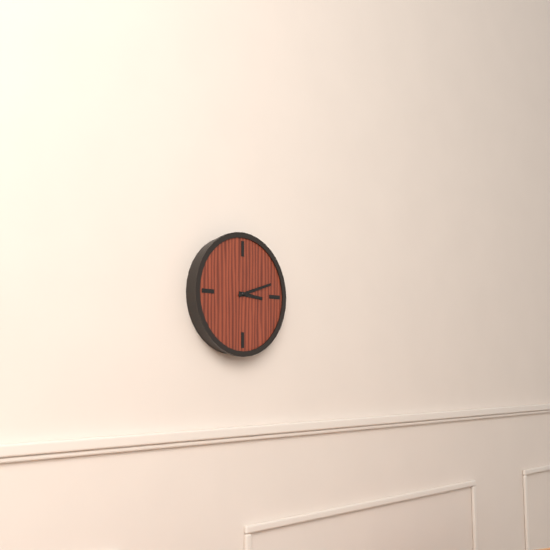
3:12
